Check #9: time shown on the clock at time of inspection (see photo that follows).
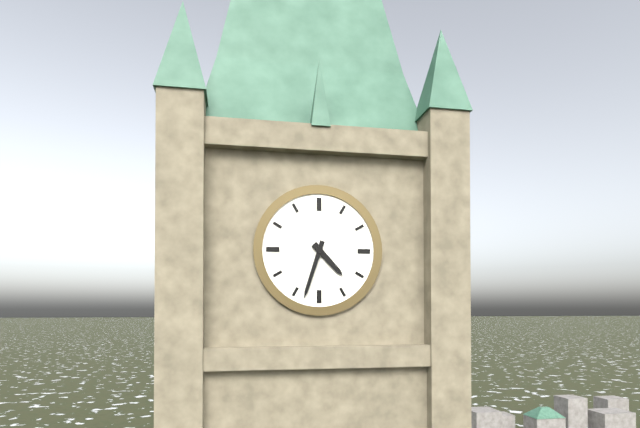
4:33
